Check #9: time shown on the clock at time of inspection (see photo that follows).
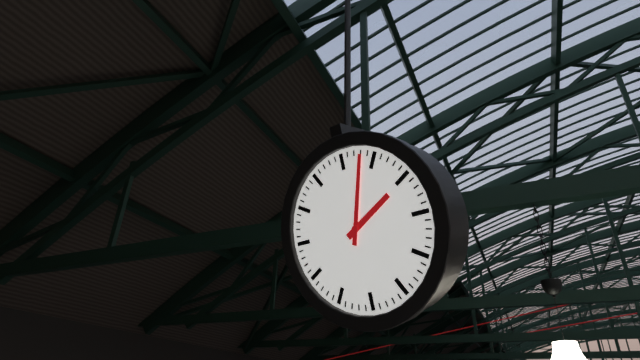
2:03
